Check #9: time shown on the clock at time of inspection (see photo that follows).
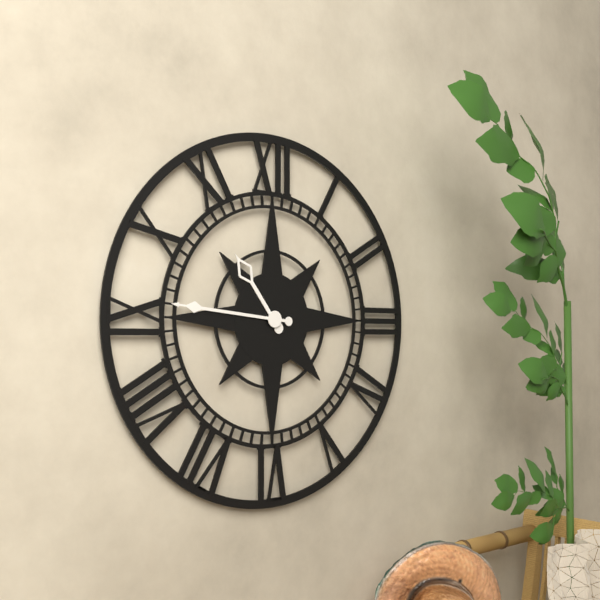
10:46
